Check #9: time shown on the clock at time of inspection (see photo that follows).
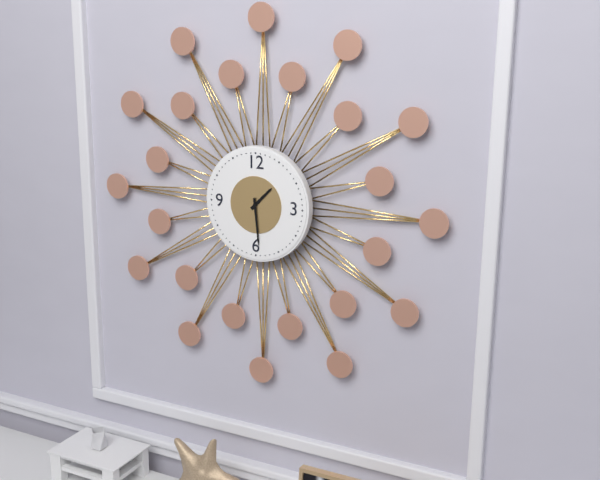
1:29
